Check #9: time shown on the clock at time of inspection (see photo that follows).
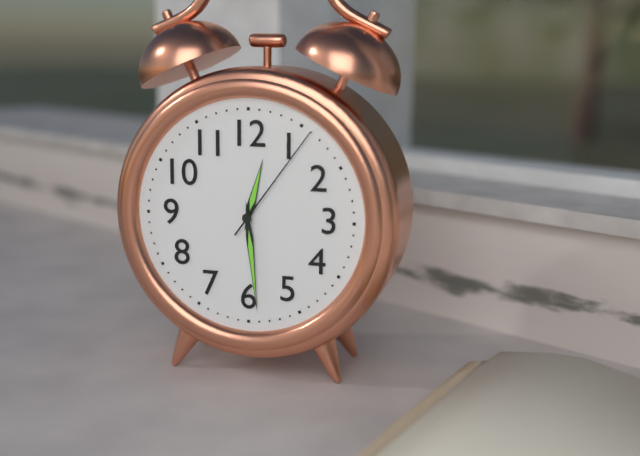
12:29:06
